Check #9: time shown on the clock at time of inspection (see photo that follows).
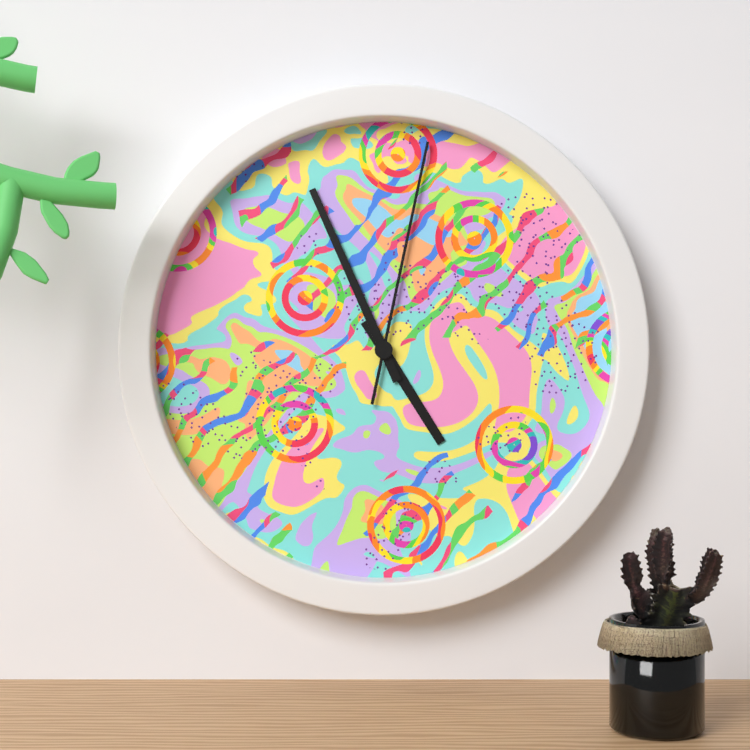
4:56:02
